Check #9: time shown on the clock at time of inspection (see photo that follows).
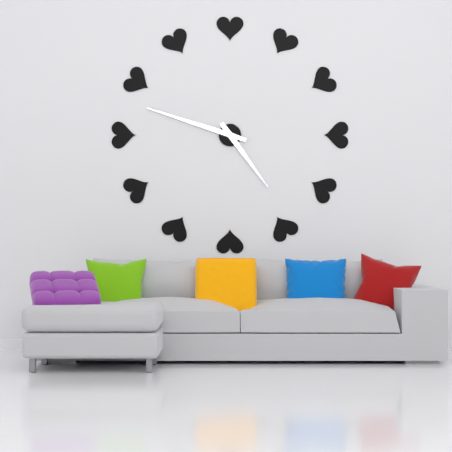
4:48
